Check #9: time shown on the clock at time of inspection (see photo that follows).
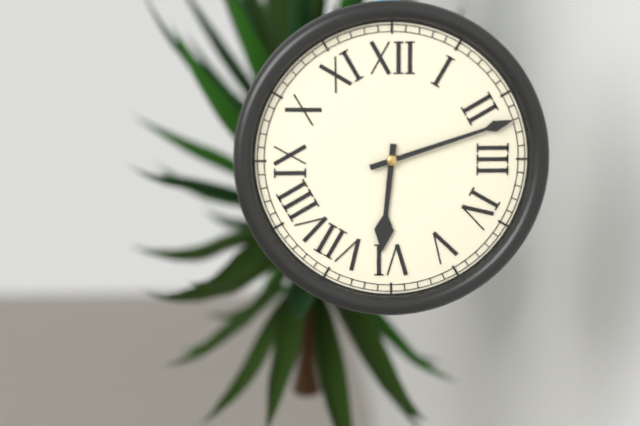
6:12
